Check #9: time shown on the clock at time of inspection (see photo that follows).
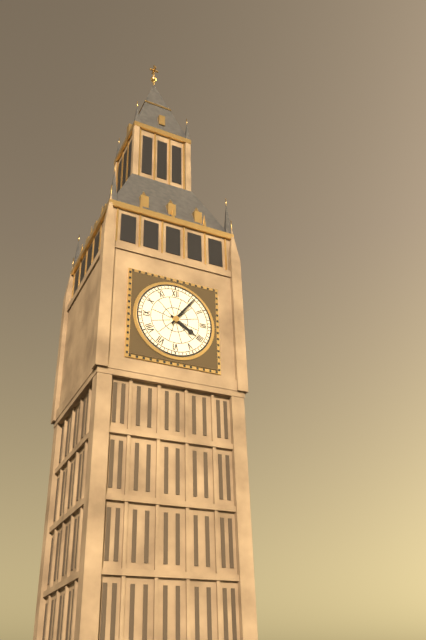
4:06
